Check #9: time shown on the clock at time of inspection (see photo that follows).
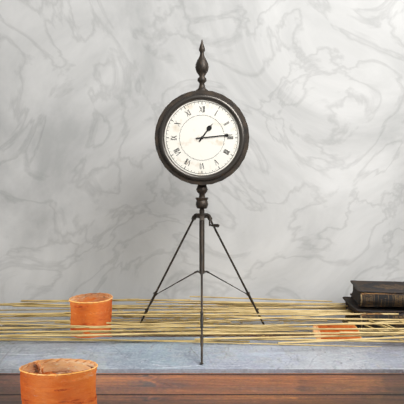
1:14
